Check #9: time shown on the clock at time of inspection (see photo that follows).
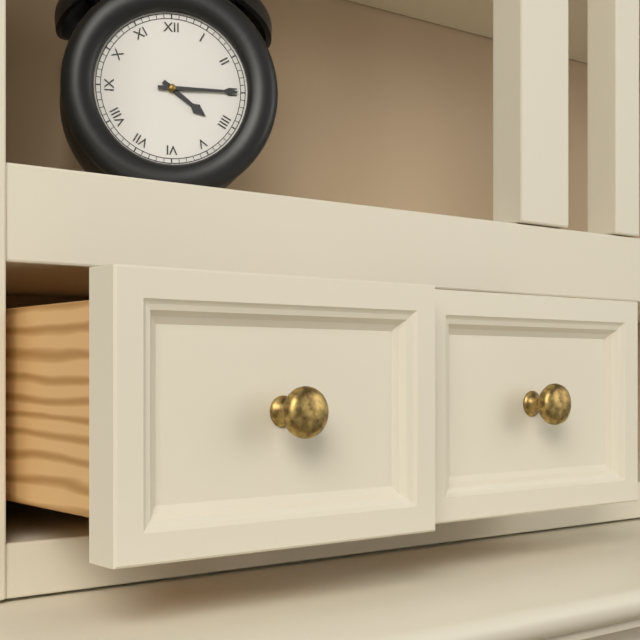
4:15
